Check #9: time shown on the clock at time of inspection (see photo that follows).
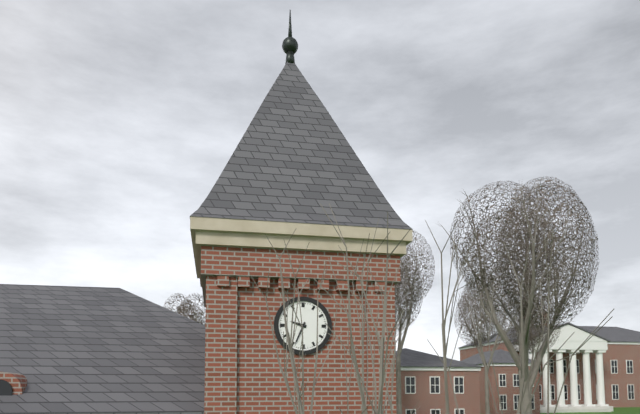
9:34
